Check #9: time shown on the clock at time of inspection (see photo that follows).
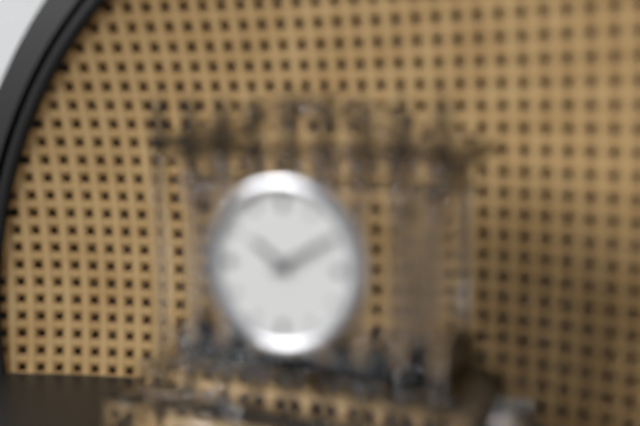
10:10
